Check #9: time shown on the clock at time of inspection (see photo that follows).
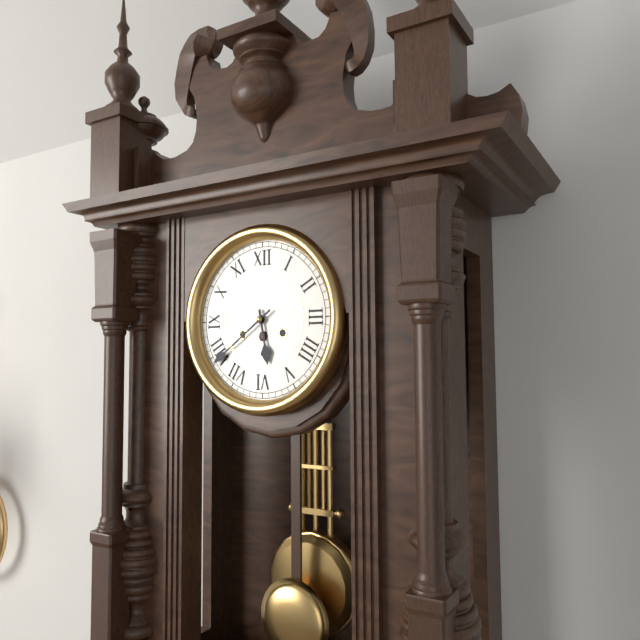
5:39
